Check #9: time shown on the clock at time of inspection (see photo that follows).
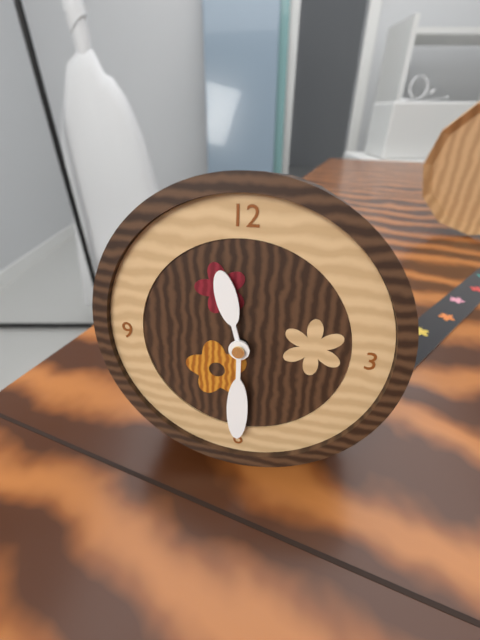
11:30
